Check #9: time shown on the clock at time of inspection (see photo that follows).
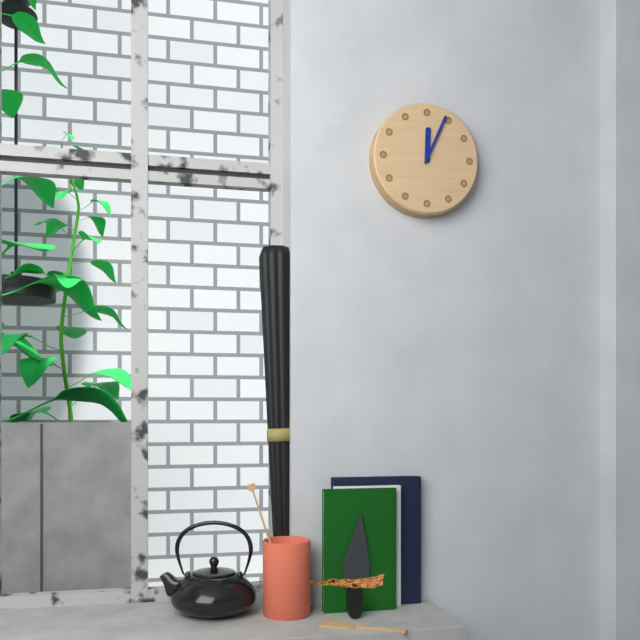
12:04
